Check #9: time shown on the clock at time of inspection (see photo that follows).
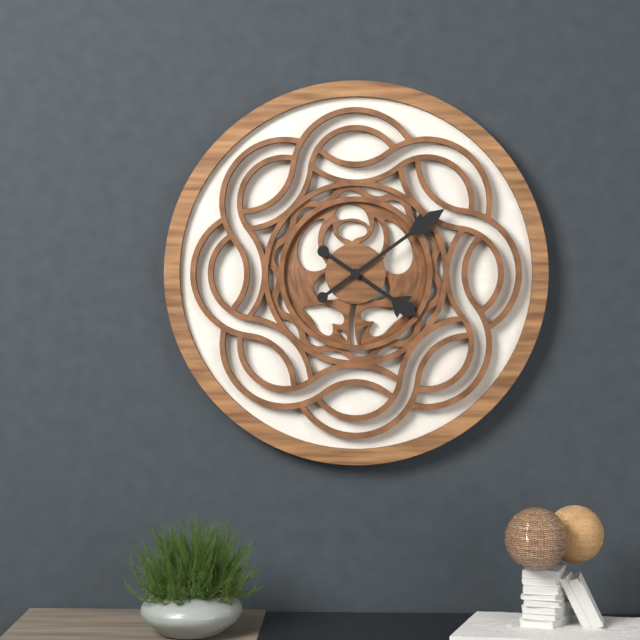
4:09
